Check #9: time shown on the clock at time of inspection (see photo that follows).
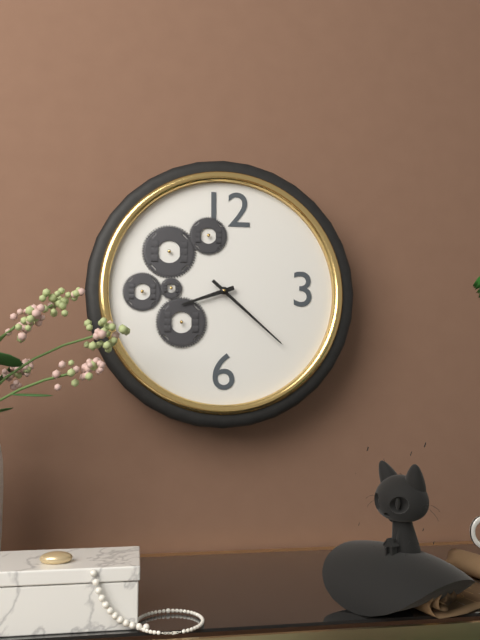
8:22
